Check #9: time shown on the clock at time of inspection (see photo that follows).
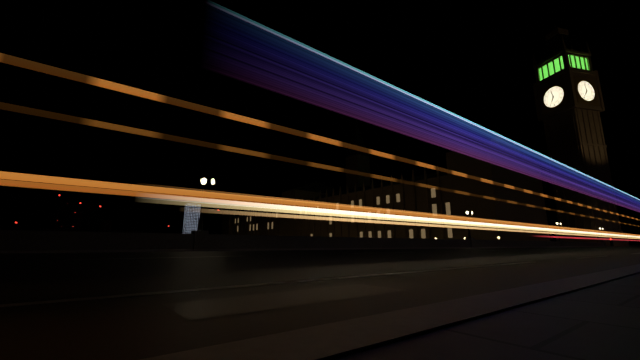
6:58
